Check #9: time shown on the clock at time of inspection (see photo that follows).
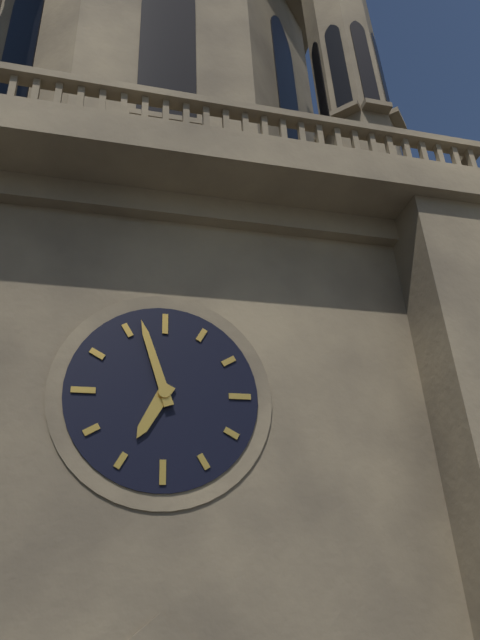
6:57
